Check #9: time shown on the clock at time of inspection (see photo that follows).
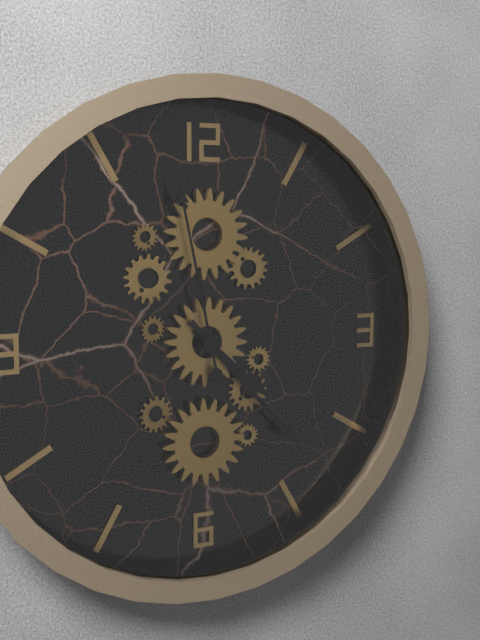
4:23:58
